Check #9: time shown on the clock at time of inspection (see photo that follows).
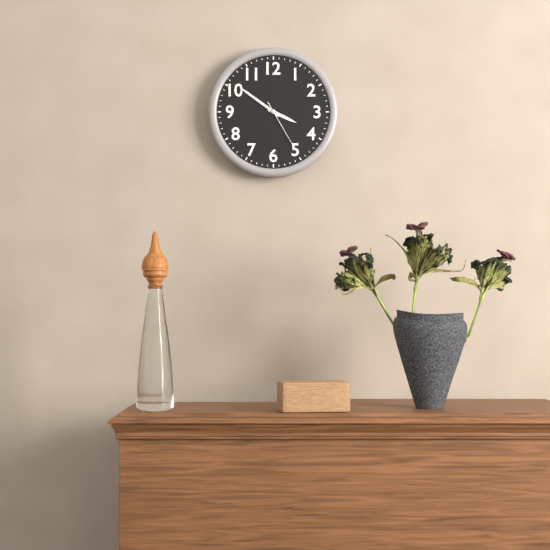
3:51:25
